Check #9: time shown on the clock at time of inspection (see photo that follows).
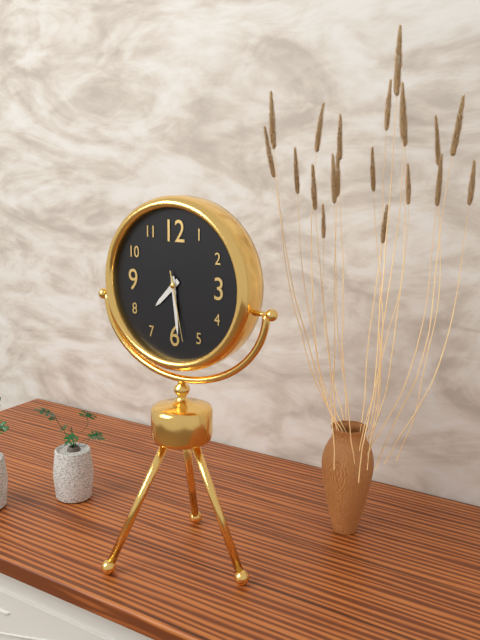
7:29:28
